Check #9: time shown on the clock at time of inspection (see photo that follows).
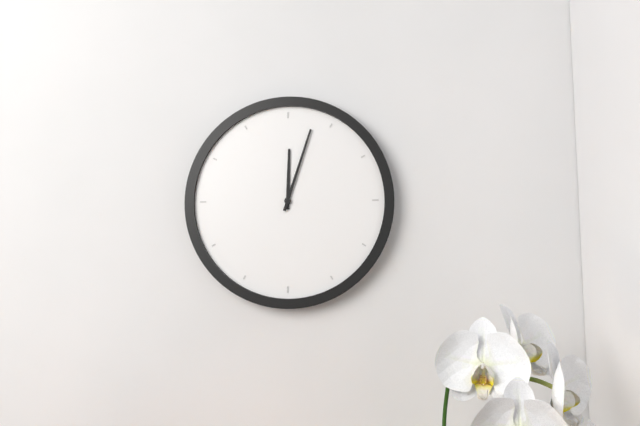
12:03
